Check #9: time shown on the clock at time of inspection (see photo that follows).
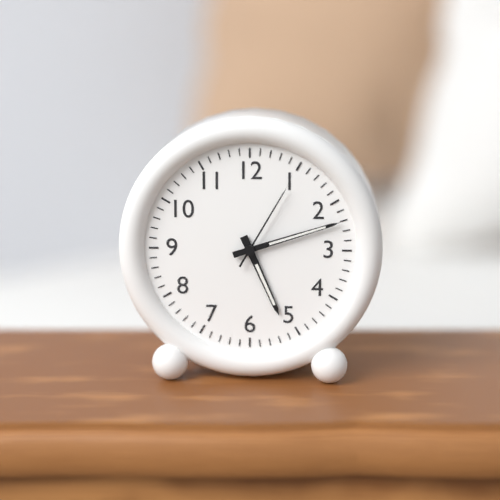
5:12:05
